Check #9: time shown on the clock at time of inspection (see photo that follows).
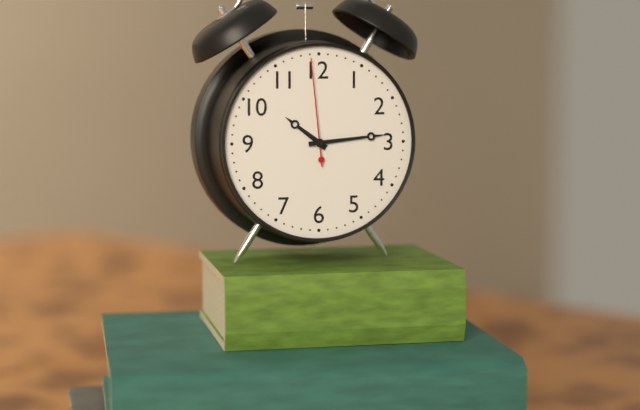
10:14:59
